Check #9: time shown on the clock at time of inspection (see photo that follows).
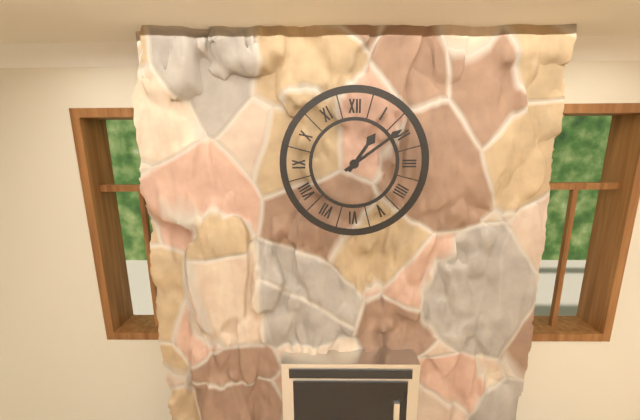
1:09
